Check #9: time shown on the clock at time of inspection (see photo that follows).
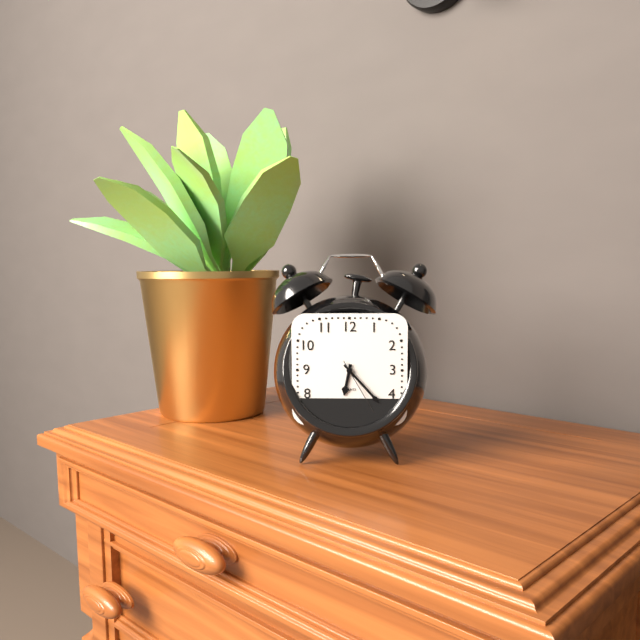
6:23:25
